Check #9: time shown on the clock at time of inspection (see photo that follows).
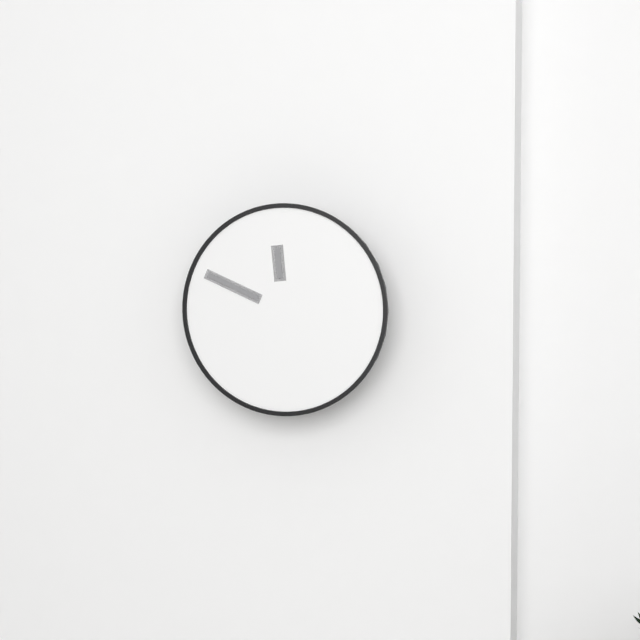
11:49
